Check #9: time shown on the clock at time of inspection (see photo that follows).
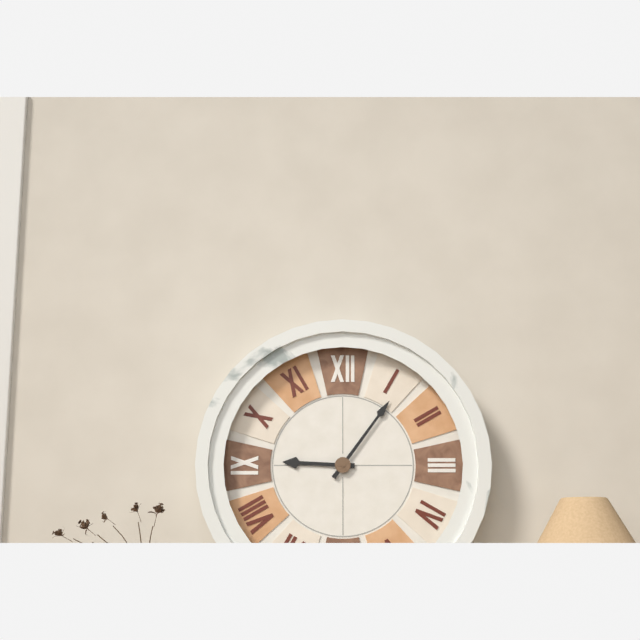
9:06
